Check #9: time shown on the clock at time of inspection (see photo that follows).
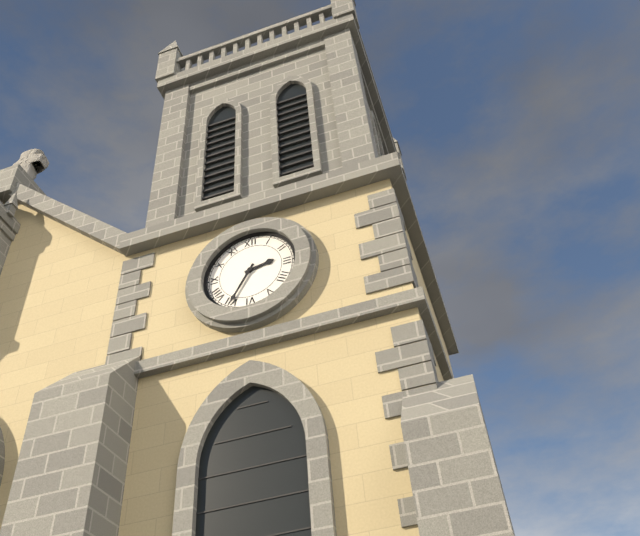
2:35
